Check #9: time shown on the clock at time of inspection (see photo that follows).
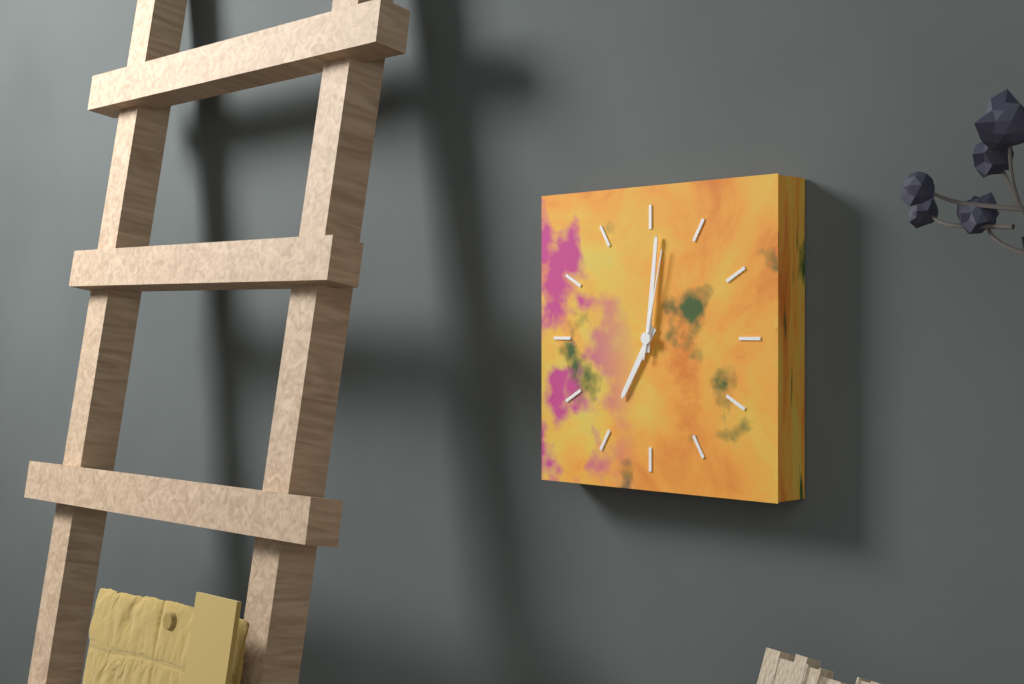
7:01:02
